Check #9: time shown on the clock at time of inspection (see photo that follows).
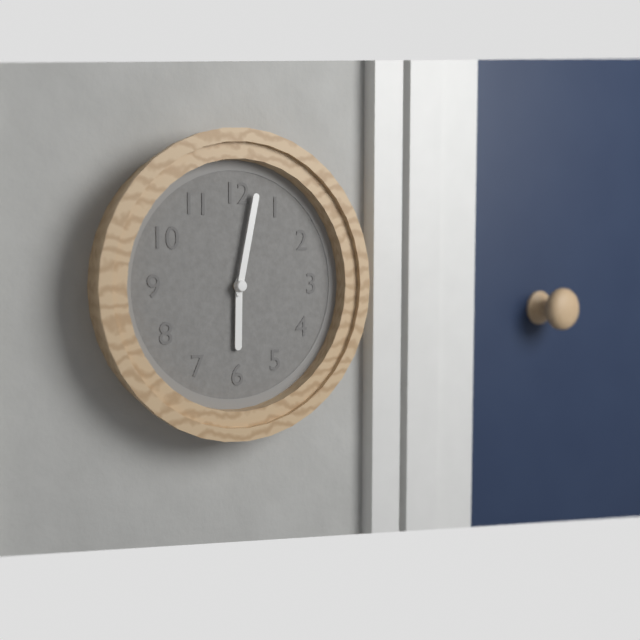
6:02
